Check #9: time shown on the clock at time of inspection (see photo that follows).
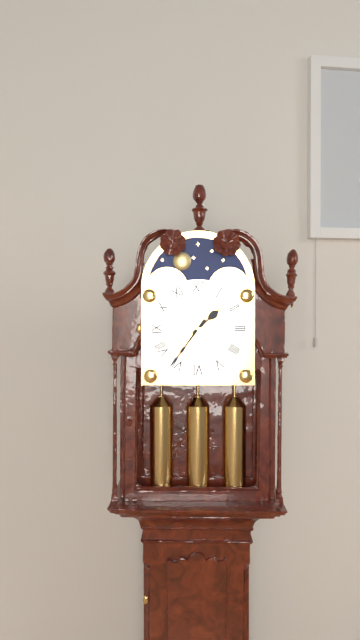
1:36
